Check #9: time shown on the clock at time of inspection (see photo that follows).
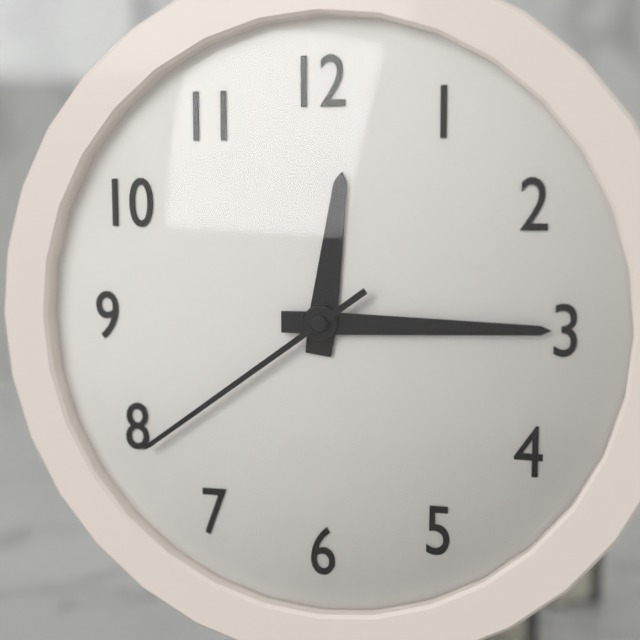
12:15:39
